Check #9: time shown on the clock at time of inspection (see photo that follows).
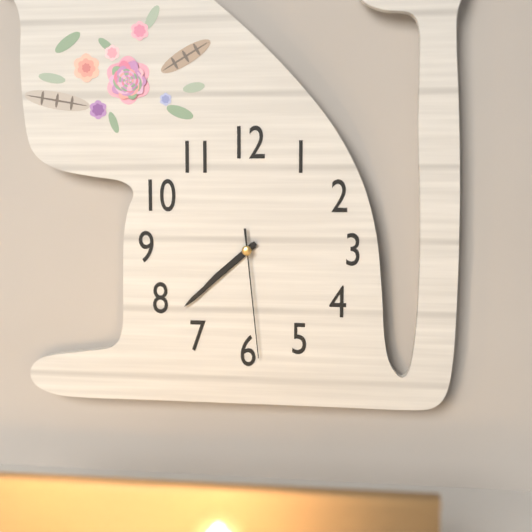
7:38:29
